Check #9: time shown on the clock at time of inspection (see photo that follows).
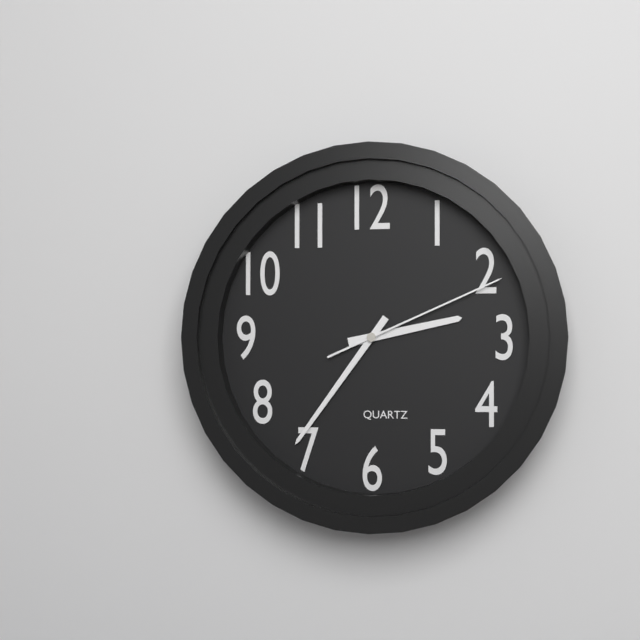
2:36:11
